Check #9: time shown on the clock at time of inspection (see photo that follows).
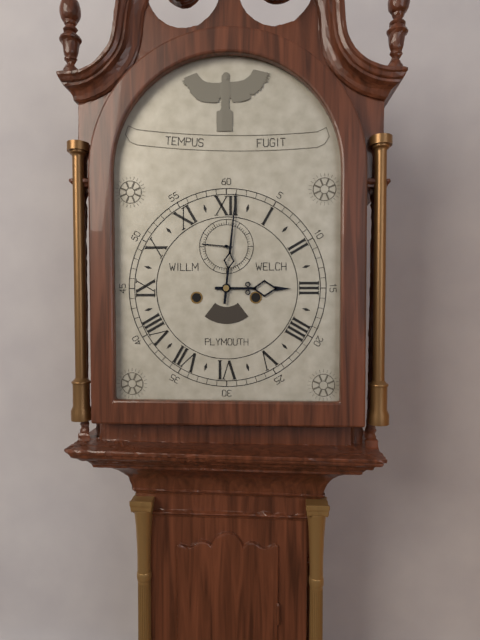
3:01
